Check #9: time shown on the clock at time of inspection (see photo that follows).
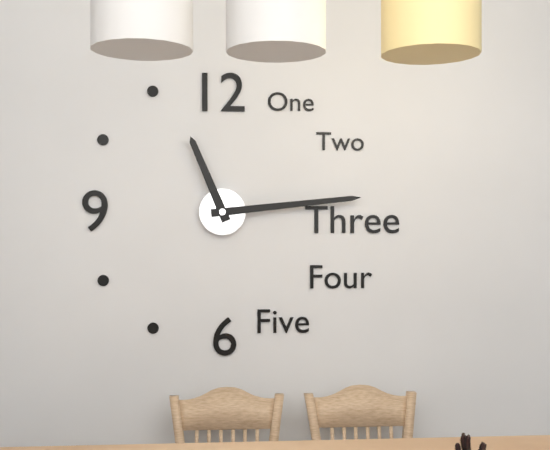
11:14
